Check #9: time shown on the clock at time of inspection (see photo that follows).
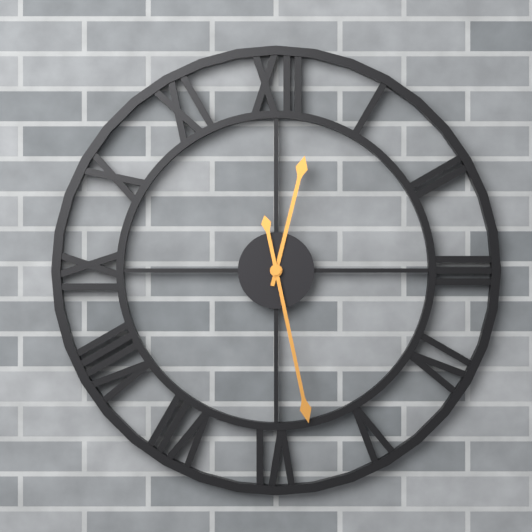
12:28
